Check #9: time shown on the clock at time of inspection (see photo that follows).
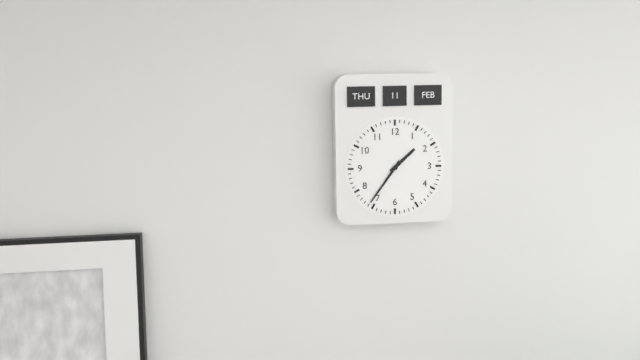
1:36
